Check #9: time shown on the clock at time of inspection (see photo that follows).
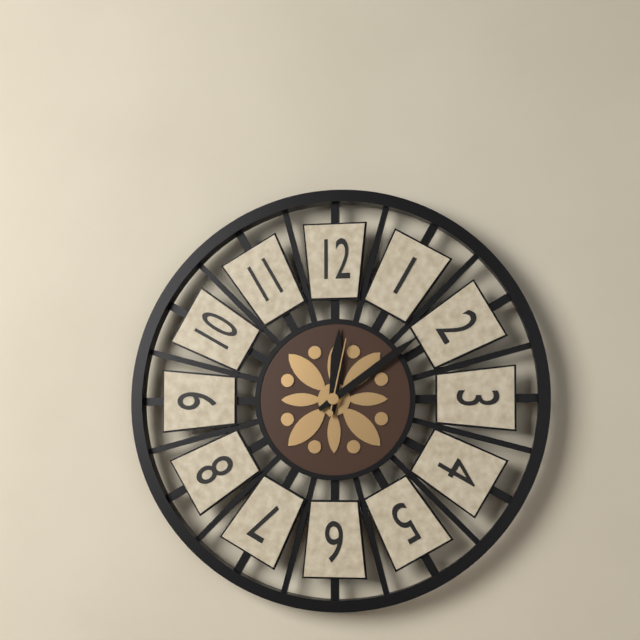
12:09:02
